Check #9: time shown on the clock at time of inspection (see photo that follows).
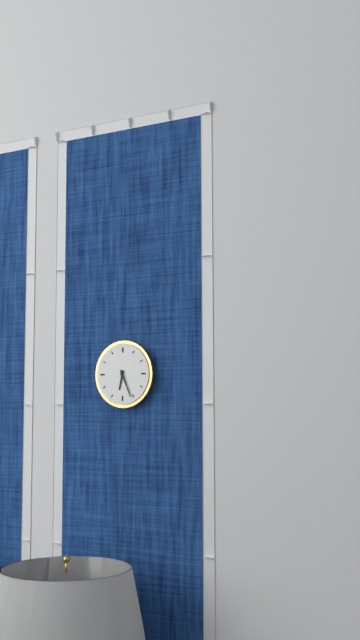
6:26
